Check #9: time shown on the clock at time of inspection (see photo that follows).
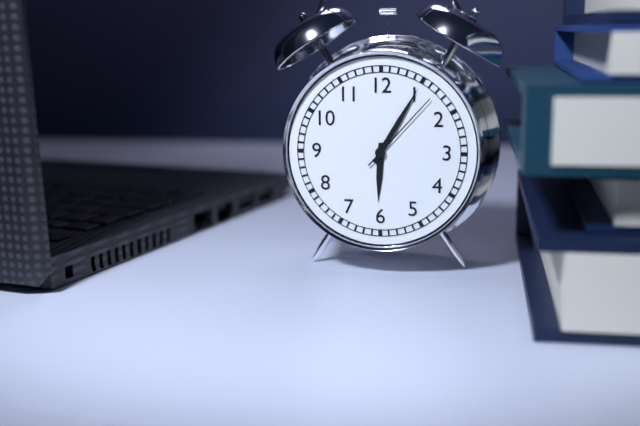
6:05:07
